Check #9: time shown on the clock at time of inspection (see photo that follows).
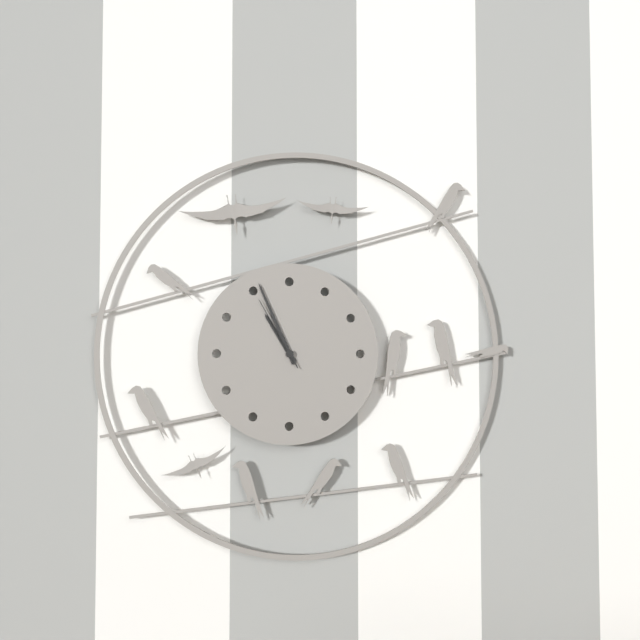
10:56:55
